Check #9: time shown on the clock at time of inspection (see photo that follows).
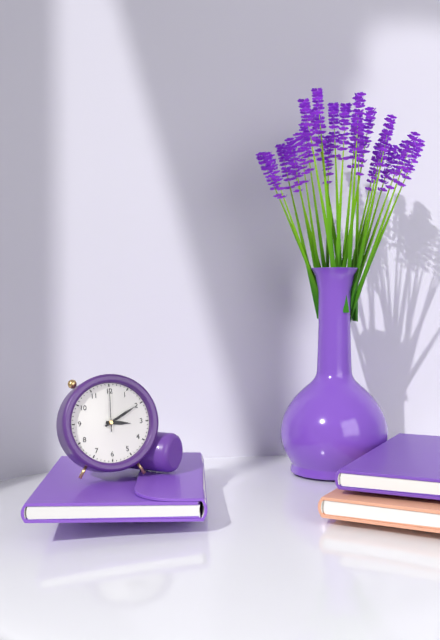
3:10
